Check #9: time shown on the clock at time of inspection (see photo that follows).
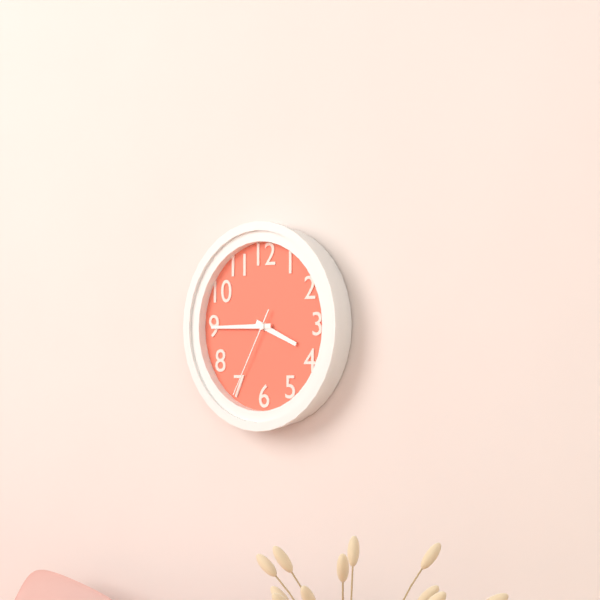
3:45:35
